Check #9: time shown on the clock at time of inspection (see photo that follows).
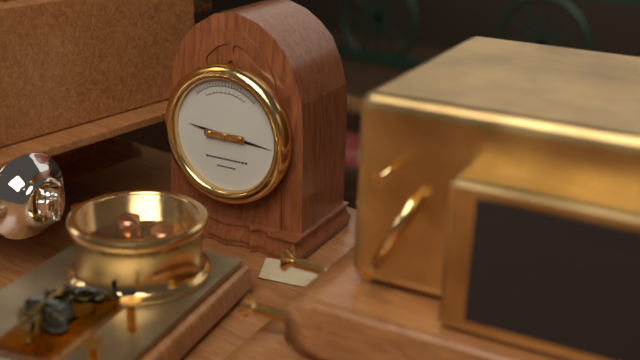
9:16
